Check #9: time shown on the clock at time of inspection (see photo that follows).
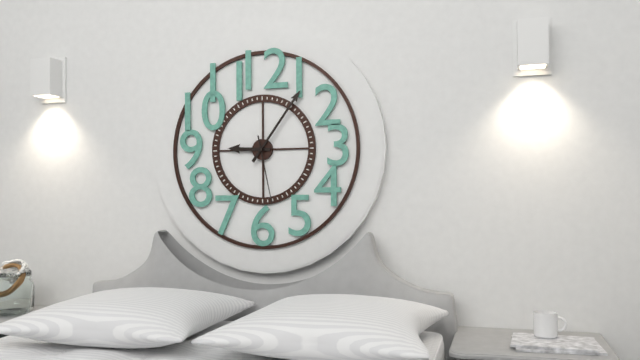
9:06:28
